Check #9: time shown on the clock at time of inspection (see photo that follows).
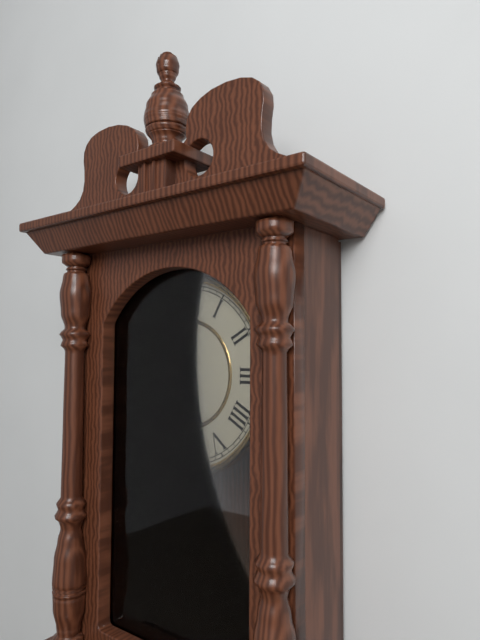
5:34
